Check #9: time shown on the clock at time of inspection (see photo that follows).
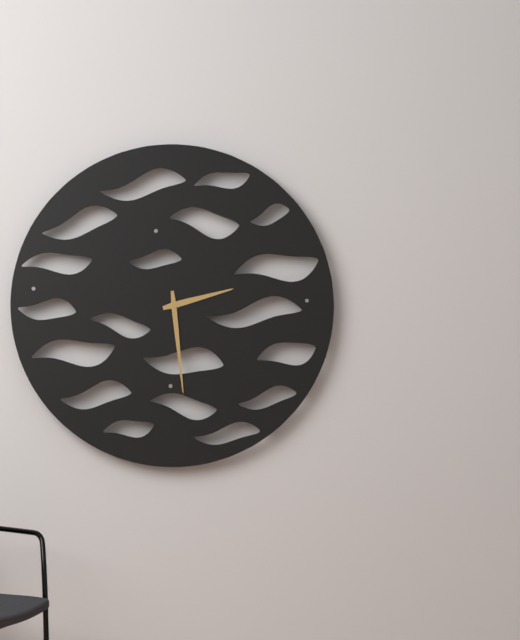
2:29
